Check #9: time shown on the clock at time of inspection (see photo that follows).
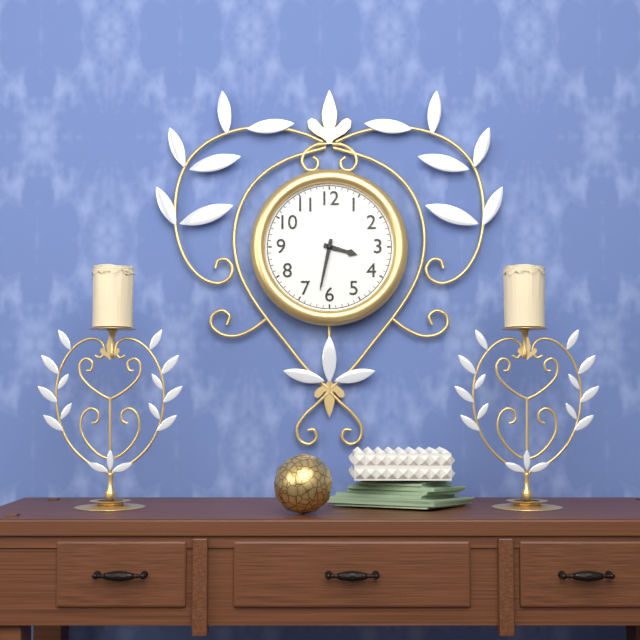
3:32
